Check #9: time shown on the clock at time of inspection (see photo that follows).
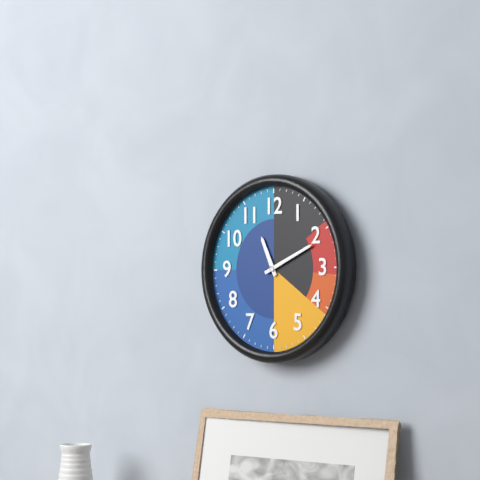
11:11
